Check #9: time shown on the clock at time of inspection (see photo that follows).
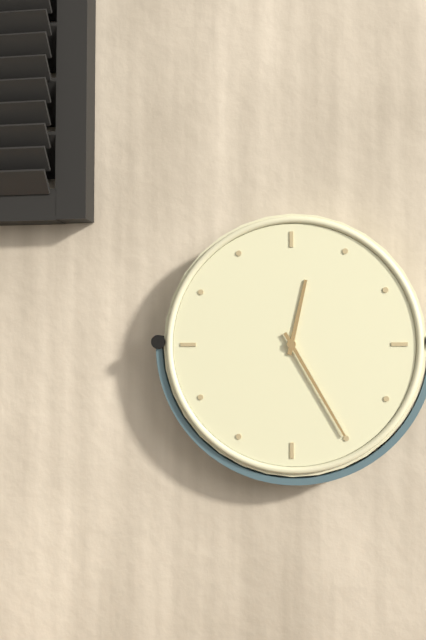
12:25
